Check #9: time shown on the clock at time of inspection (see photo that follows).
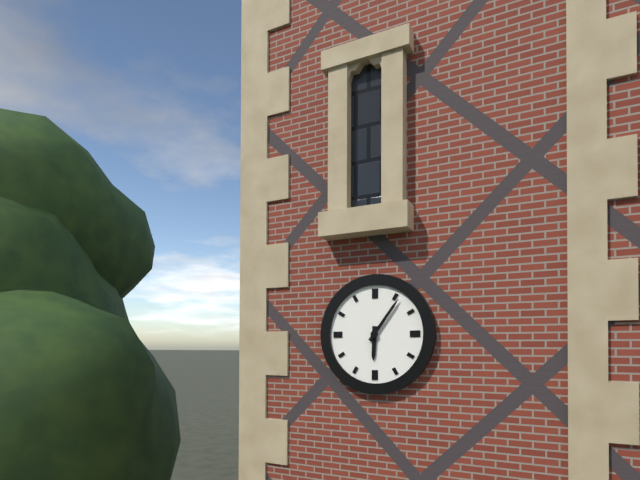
6:06
